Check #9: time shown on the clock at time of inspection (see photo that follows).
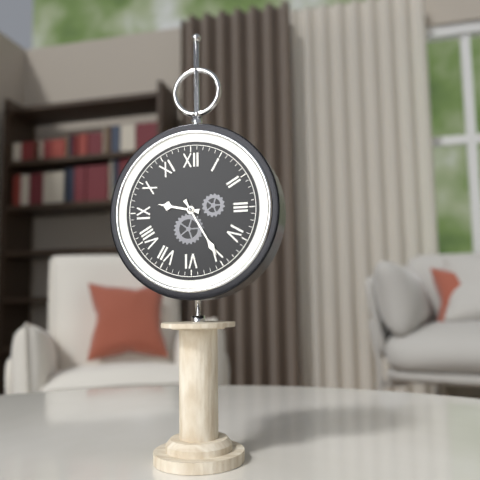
9:25
